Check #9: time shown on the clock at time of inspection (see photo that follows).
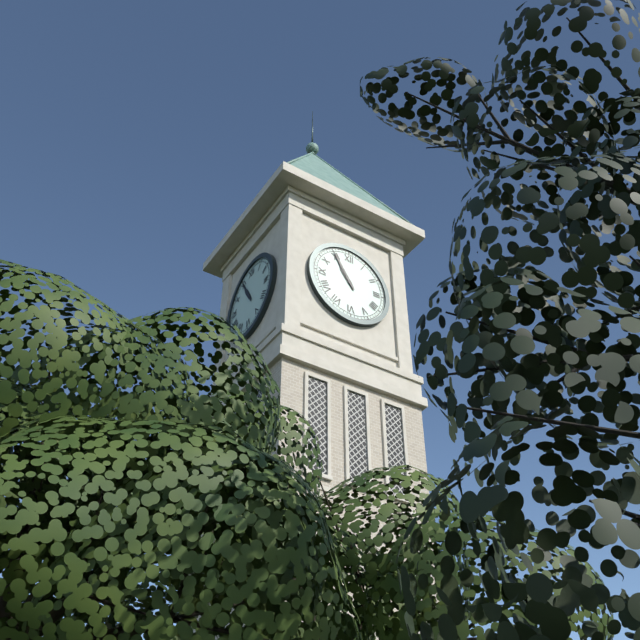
10:55
